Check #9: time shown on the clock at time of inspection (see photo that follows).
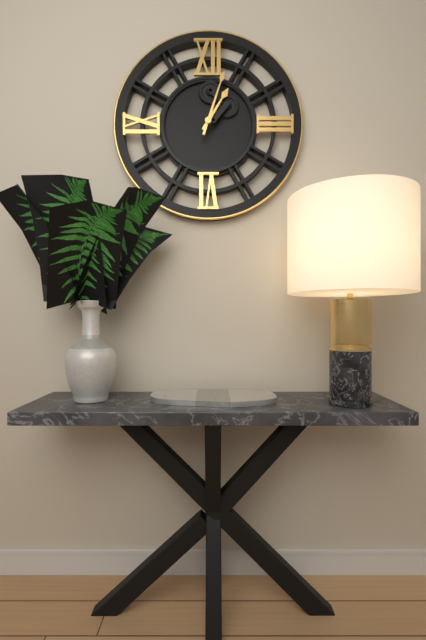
1:03
